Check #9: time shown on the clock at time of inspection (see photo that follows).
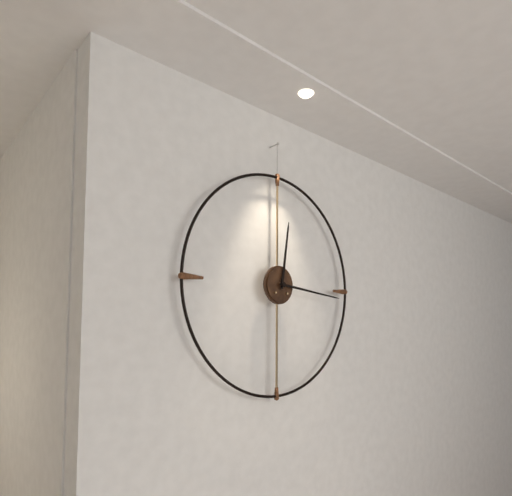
12:16
